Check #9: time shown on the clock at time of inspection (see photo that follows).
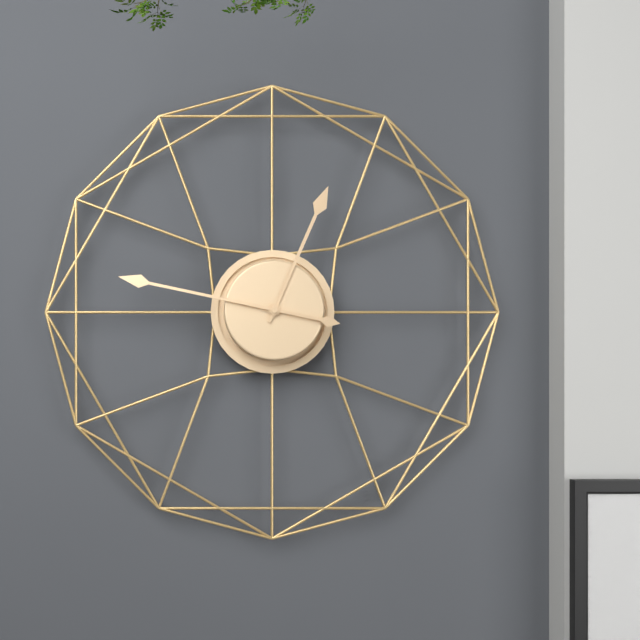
12:47
